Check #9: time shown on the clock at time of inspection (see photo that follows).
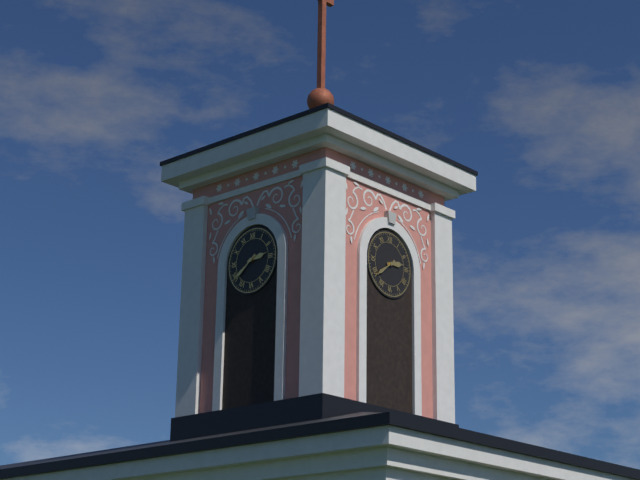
2:39
